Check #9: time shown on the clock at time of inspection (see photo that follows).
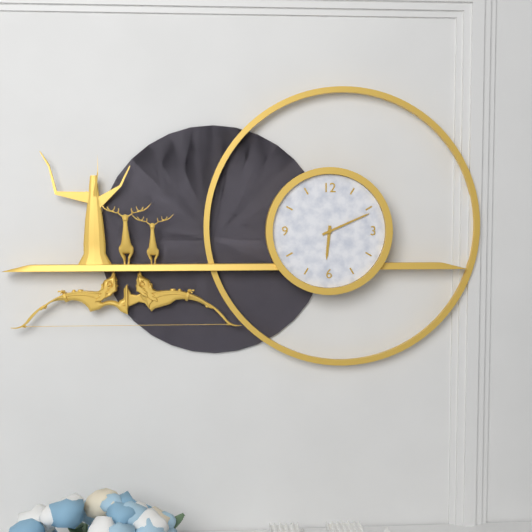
6:11
